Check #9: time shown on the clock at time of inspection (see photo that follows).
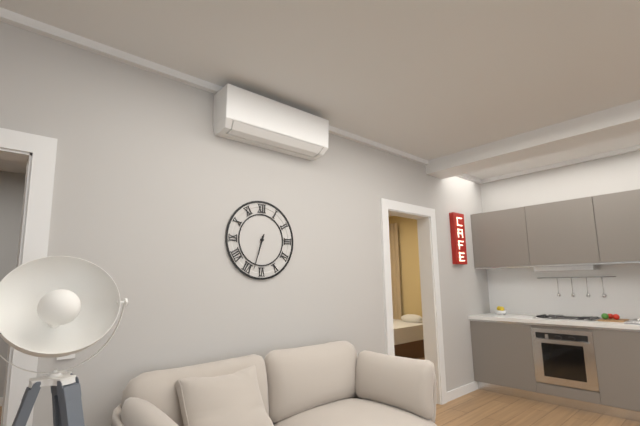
6:33
